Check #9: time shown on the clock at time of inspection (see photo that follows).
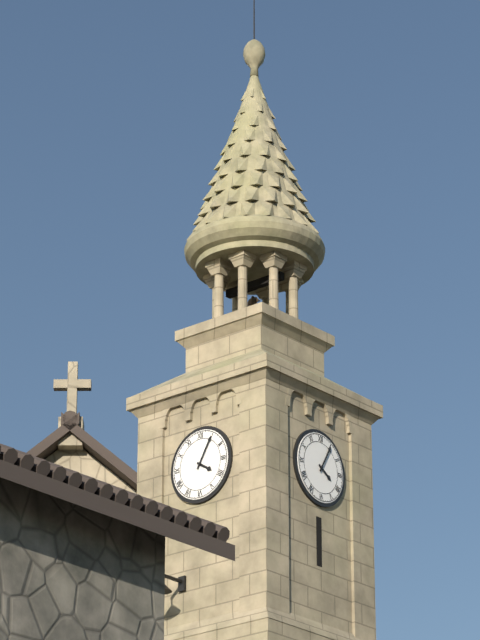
4:05
